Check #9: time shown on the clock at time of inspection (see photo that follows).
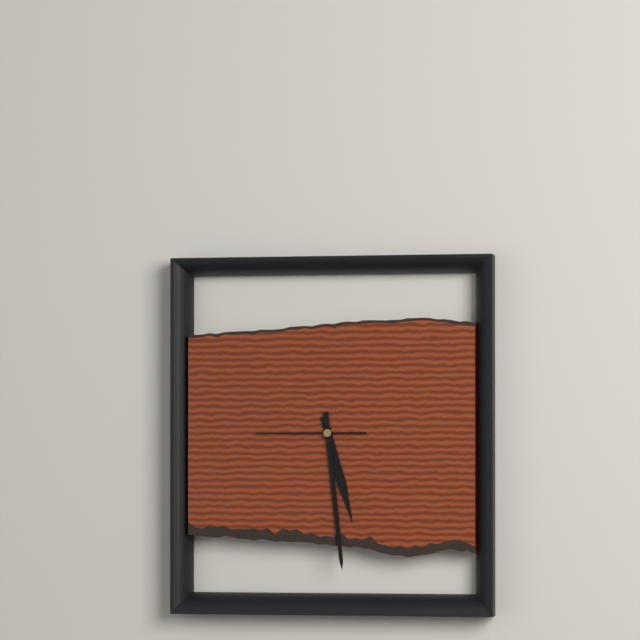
5:29:45
